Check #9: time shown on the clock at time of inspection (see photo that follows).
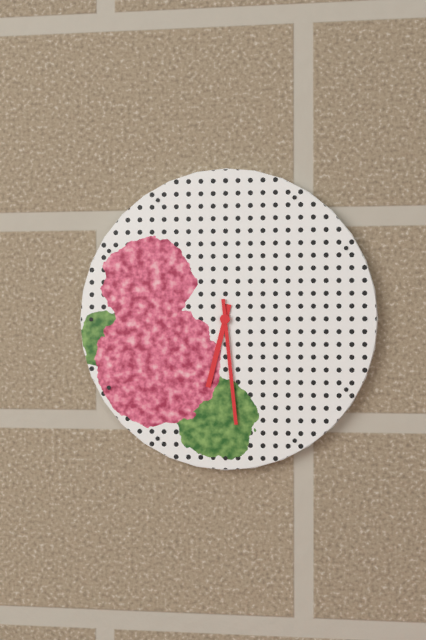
6:29
